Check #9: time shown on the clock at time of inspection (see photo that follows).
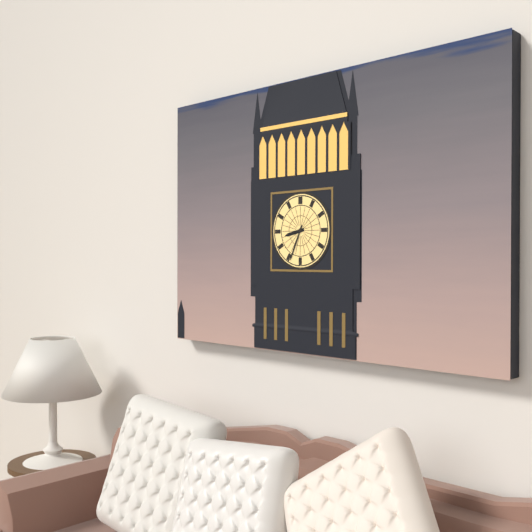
8:34
